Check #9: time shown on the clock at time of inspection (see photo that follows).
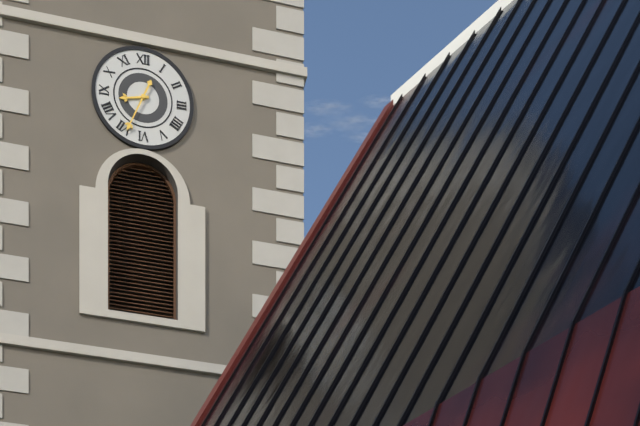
8:34
